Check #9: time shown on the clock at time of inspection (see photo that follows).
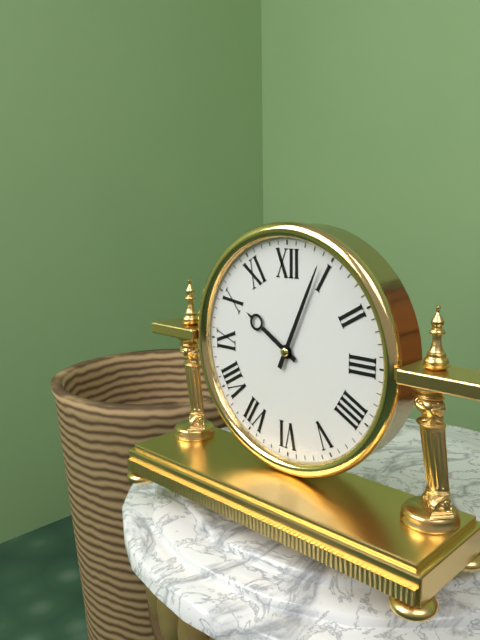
10:04
